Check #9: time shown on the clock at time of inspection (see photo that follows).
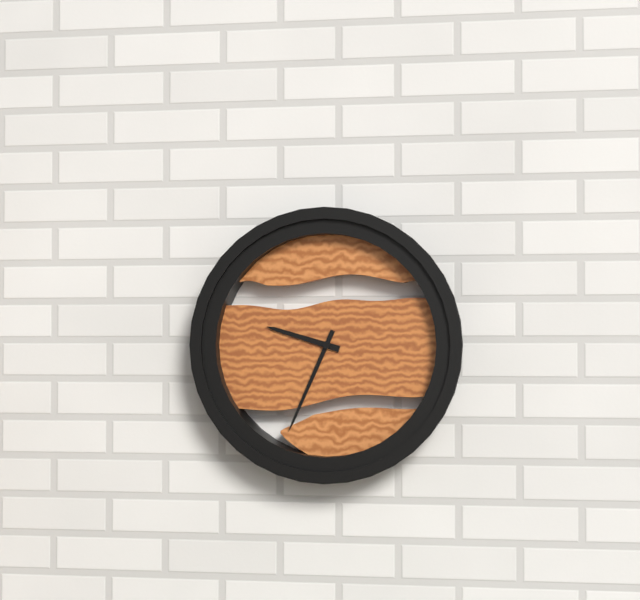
9:34
